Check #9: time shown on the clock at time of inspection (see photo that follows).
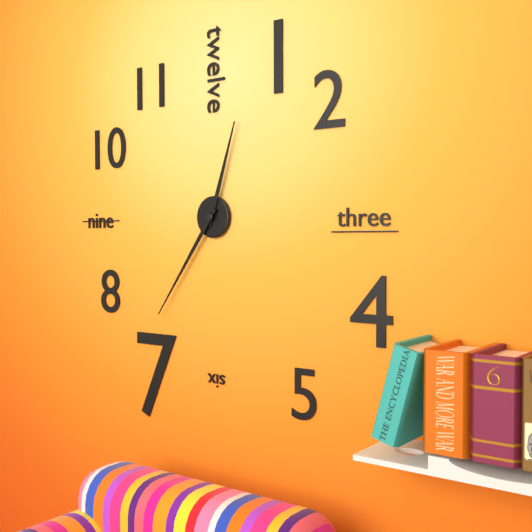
12:36
